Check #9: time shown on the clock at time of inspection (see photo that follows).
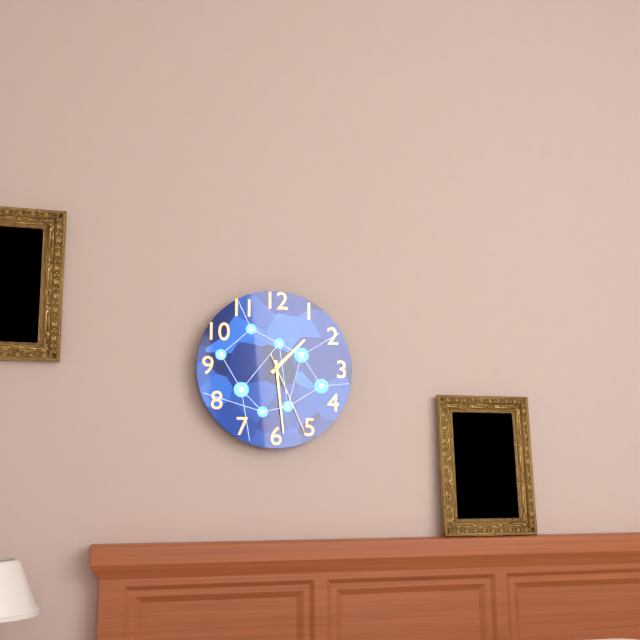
1:29:26
